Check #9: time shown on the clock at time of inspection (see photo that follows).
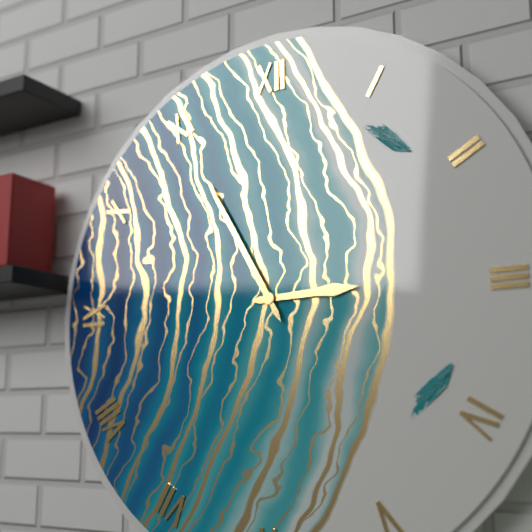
2:55
